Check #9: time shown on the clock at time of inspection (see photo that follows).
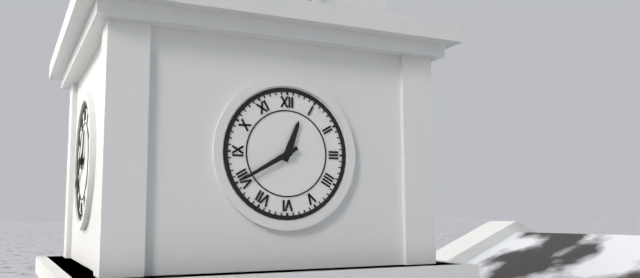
12:40
